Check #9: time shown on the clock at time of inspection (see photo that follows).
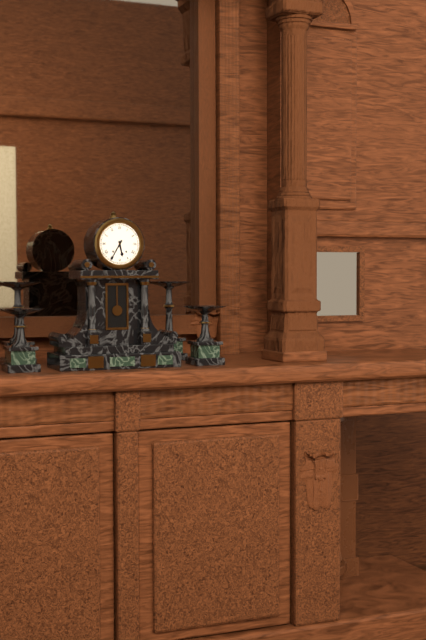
5:35
